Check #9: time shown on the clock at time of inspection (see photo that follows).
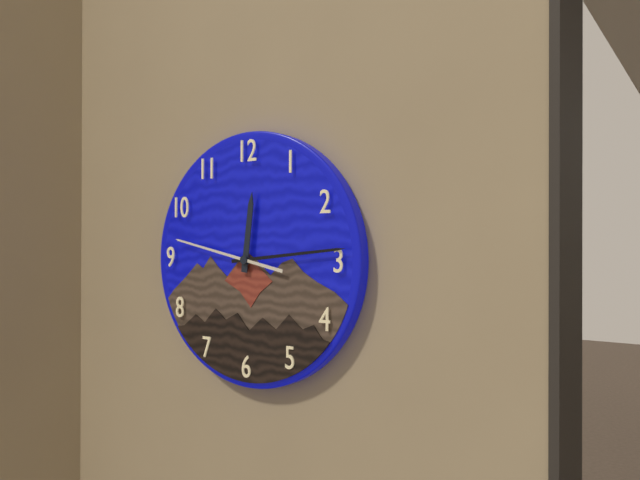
12:14:47
